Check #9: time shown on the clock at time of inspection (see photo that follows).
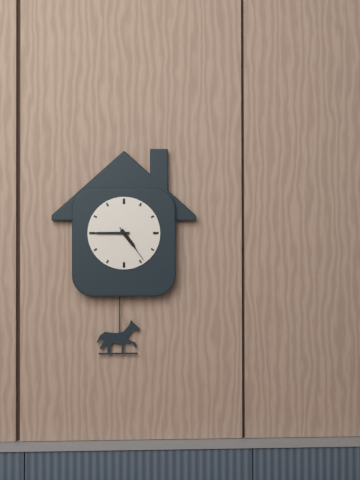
4:45
